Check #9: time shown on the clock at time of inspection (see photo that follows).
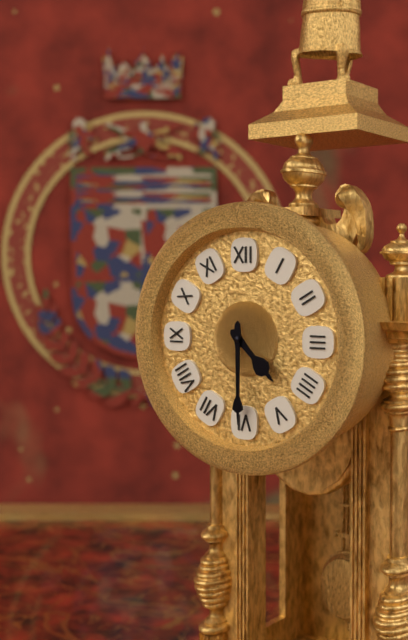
4:30
